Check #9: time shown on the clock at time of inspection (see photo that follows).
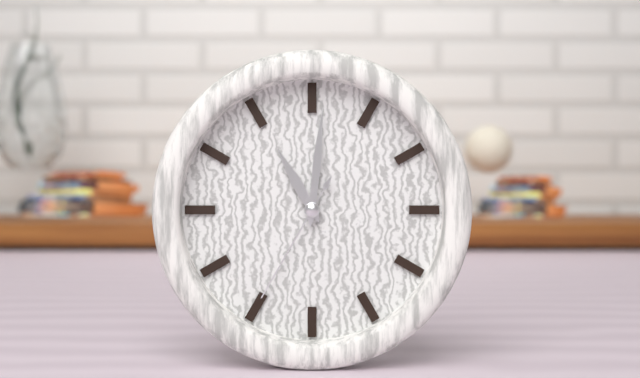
11:01:35
